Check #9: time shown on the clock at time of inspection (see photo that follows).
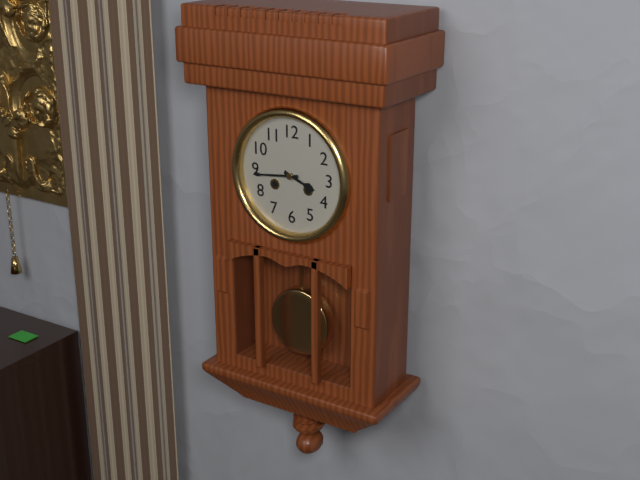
3:44
